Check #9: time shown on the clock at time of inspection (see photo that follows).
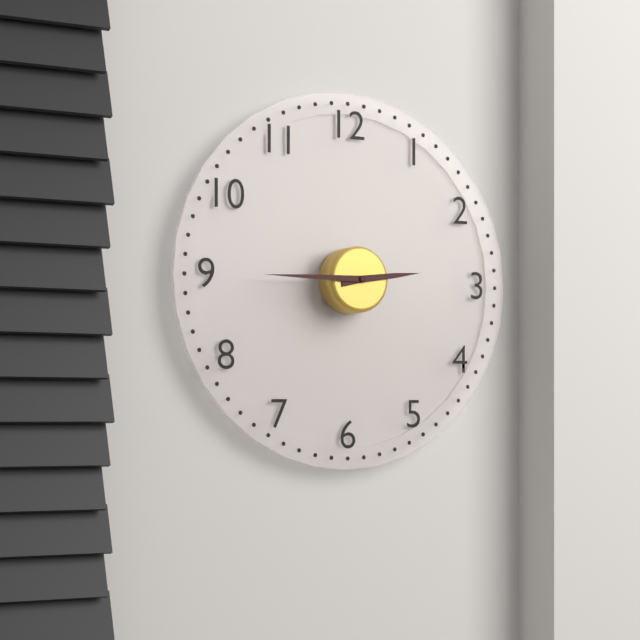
2:45
